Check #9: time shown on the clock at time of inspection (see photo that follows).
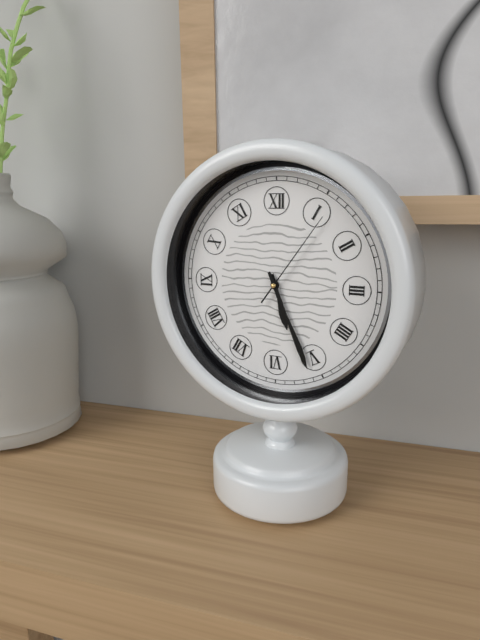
5:26:06
